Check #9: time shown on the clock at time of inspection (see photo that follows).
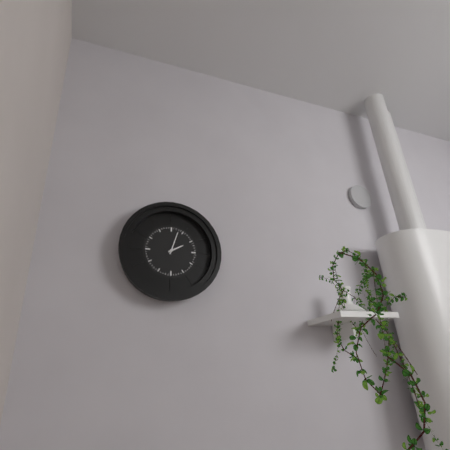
2:03
